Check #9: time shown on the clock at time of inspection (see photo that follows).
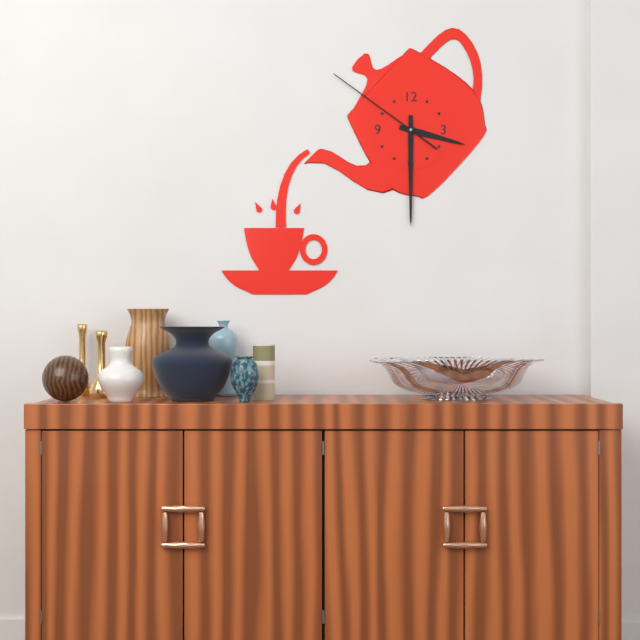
3:30:51
